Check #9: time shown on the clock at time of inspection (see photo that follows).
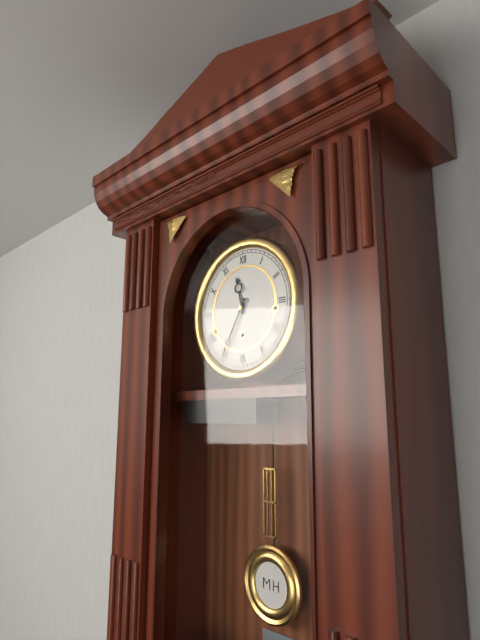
11:35
